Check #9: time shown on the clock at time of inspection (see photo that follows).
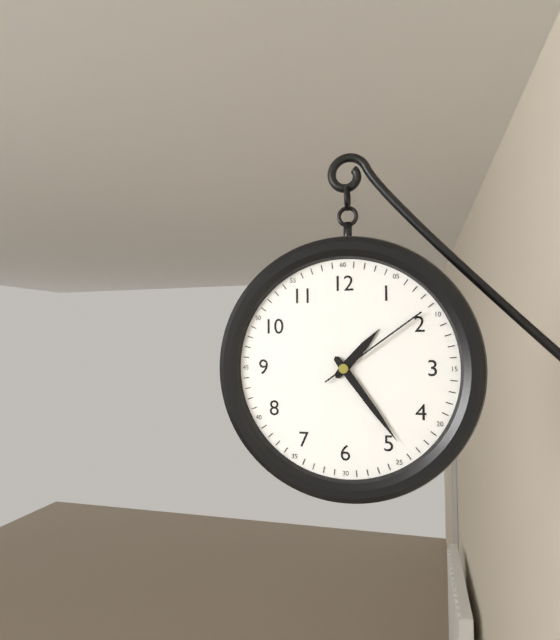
1:24:09
